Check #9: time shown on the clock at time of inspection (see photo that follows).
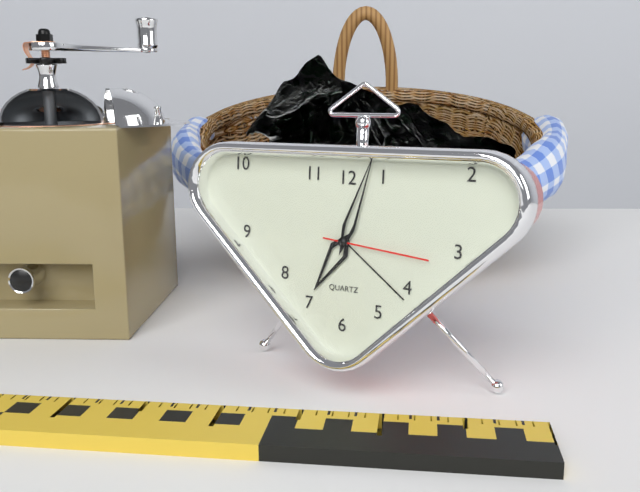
7:03:16
